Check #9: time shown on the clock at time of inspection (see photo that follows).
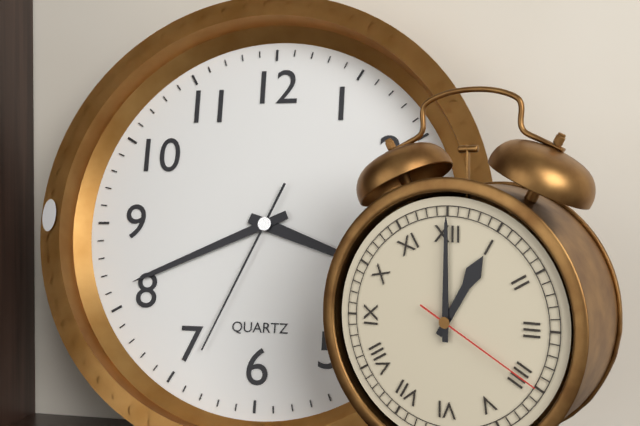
3:41:34
